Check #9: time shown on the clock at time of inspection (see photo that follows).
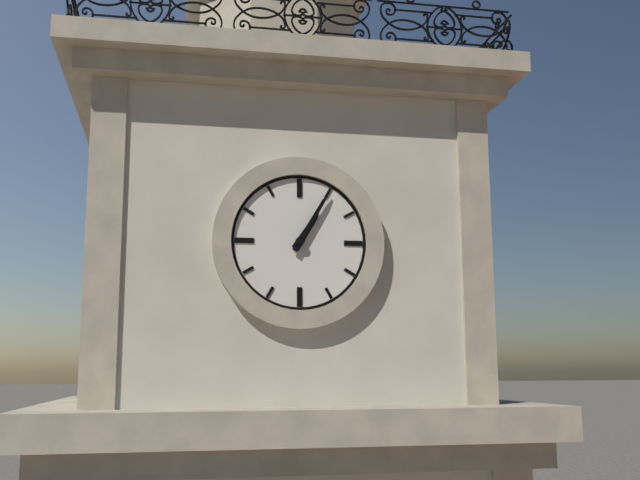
1:05
